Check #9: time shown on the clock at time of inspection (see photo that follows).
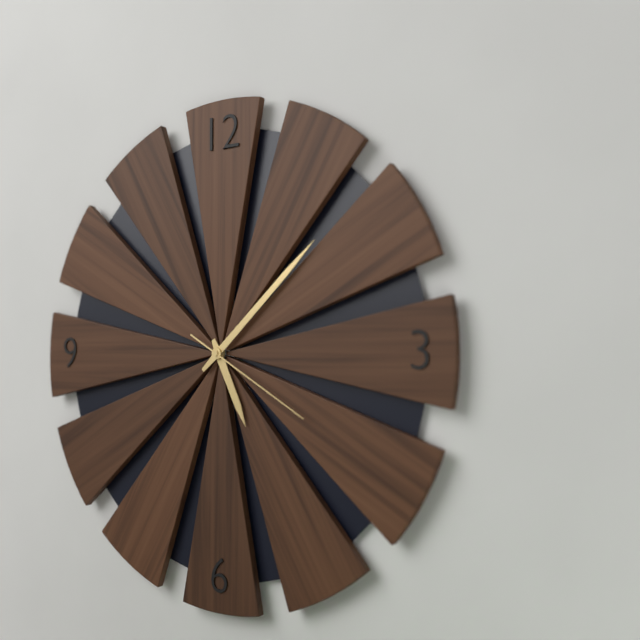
5:08:20
